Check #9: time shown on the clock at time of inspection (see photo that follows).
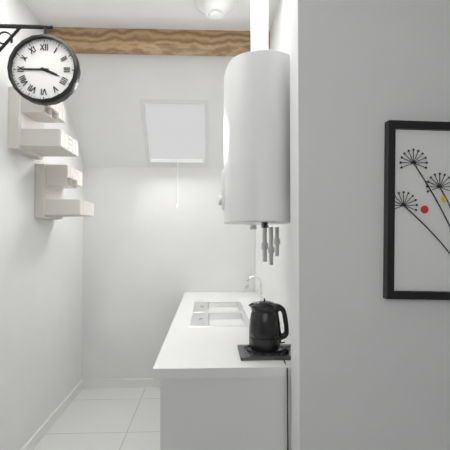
3:45
